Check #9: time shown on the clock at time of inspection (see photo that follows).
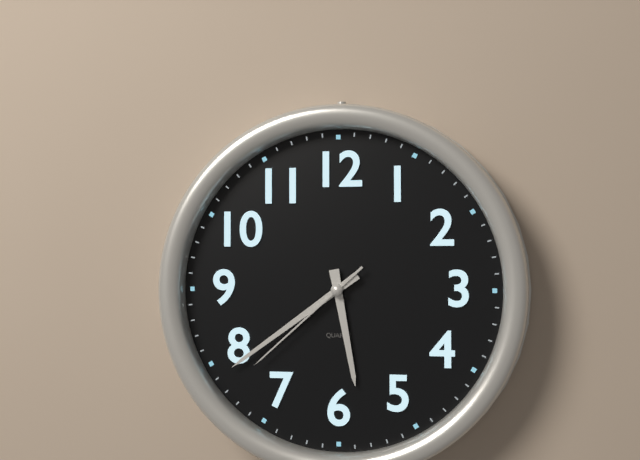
5:39:38
